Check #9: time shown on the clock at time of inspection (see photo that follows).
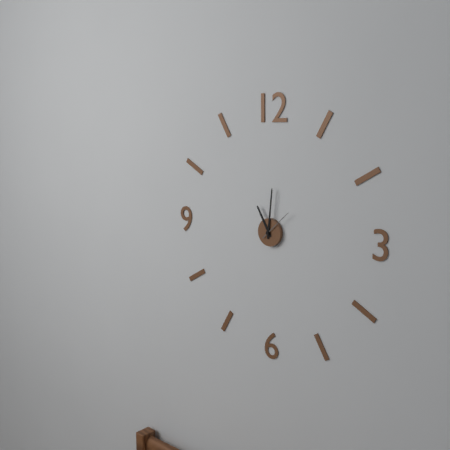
11:01
